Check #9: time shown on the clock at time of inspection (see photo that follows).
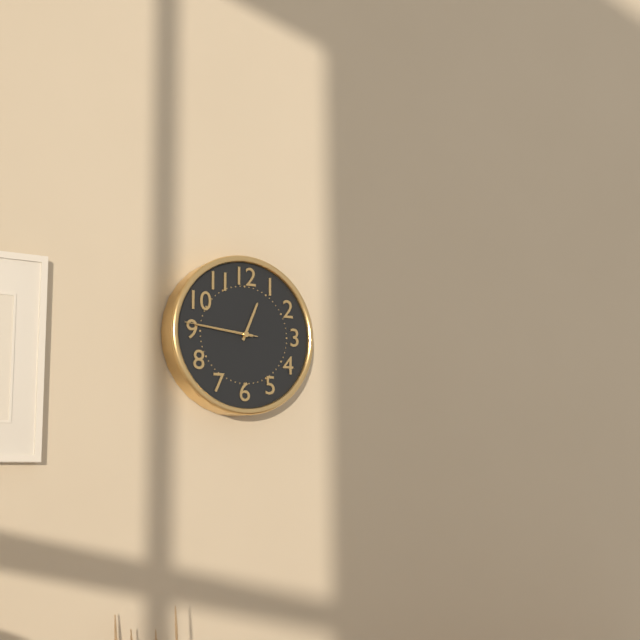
12:46:46
